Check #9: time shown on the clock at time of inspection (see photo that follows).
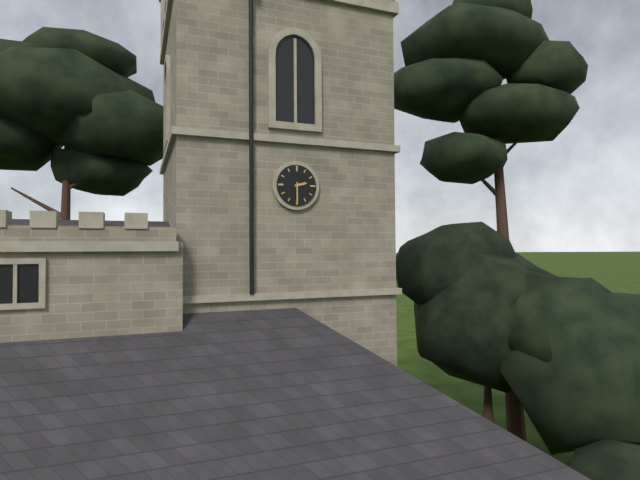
2:30
